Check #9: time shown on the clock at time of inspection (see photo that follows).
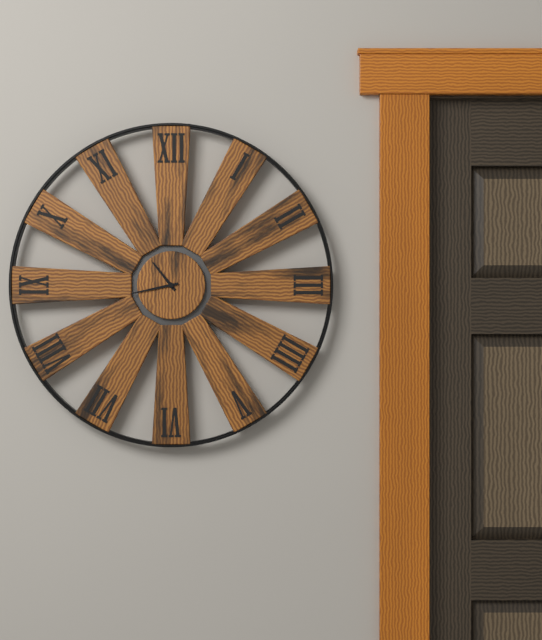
10:43
